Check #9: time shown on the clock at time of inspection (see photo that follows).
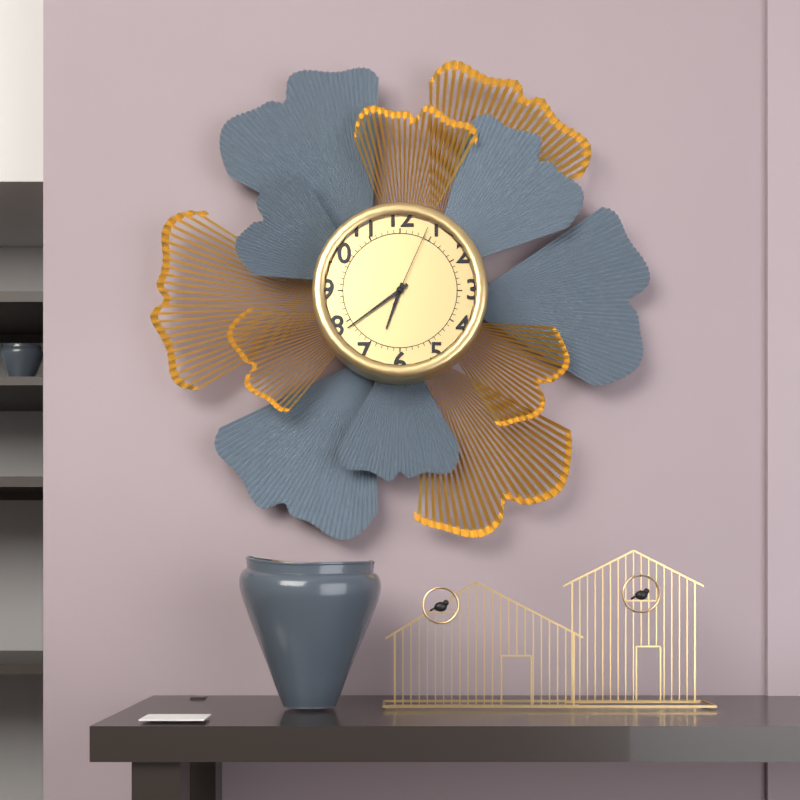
6:39:04
